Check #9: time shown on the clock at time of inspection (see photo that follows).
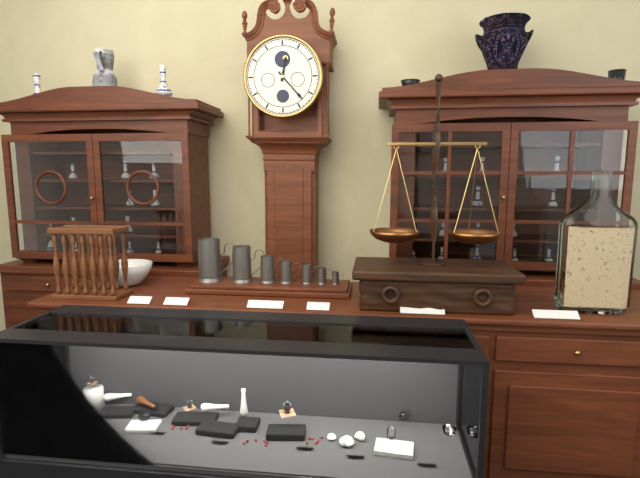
12:23
